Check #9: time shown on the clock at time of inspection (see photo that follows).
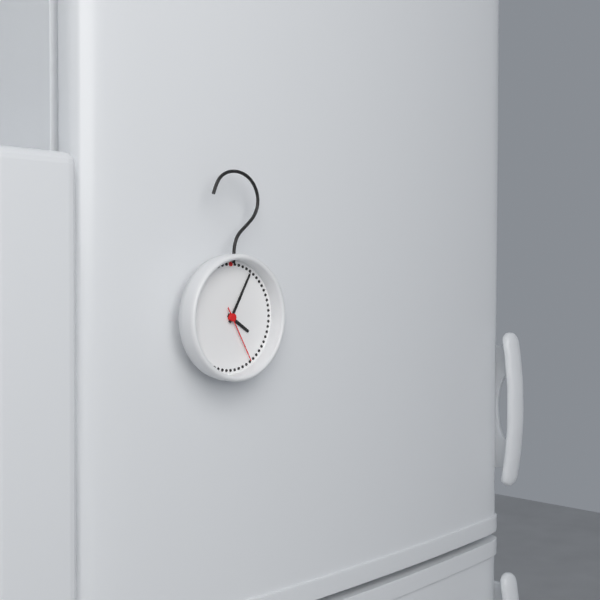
4:05:25
